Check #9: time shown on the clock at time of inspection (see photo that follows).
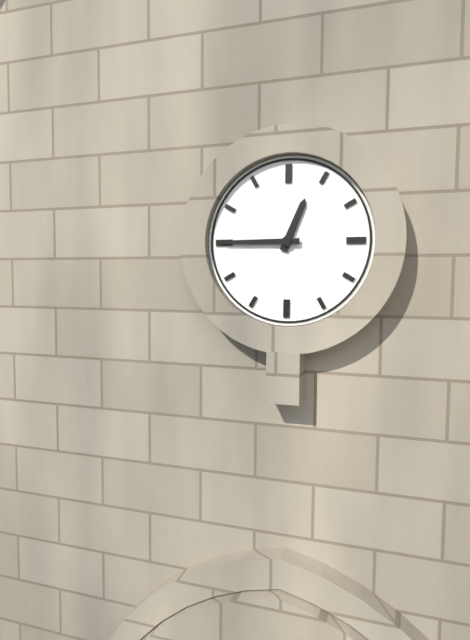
12:45
